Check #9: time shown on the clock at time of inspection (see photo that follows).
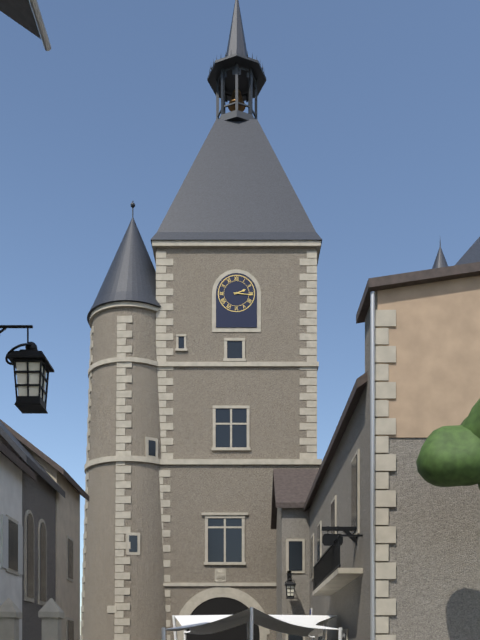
2:16
